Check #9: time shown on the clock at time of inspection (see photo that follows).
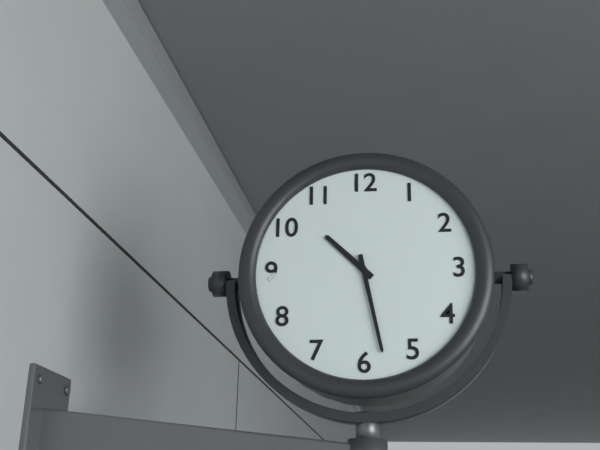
10:28
